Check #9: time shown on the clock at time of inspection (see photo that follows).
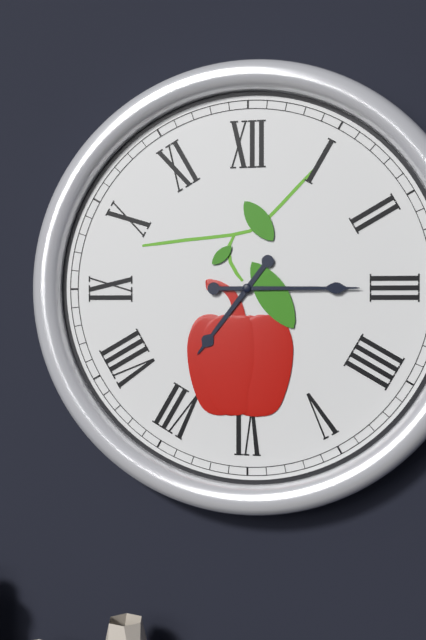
7:15
